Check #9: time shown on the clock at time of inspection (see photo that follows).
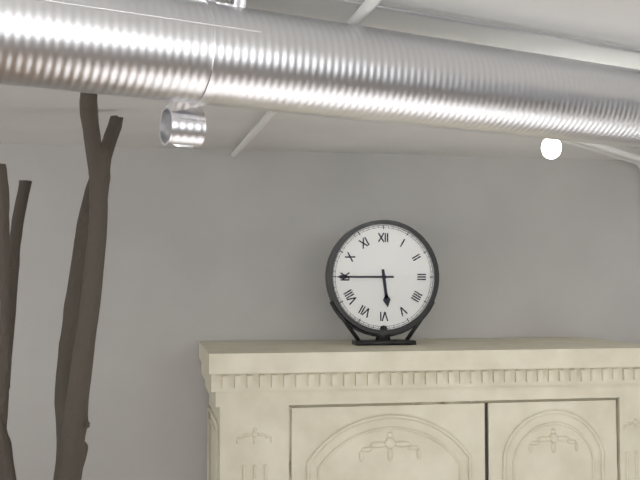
5:45
